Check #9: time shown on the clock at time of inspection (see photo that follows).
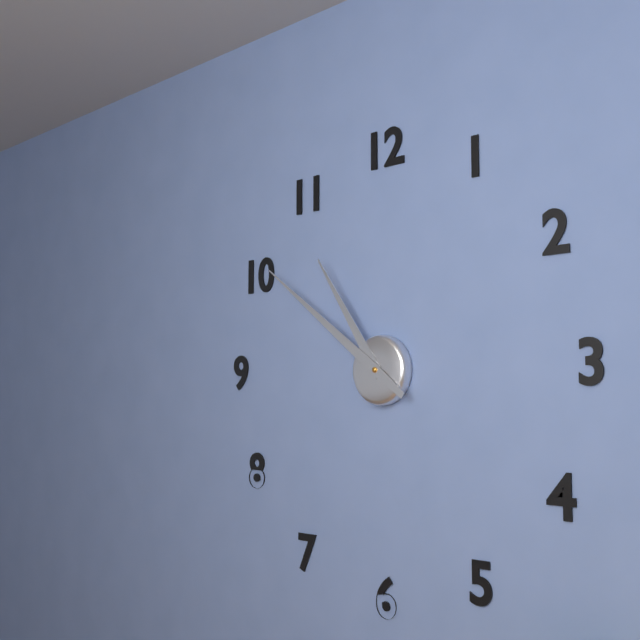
10:51
